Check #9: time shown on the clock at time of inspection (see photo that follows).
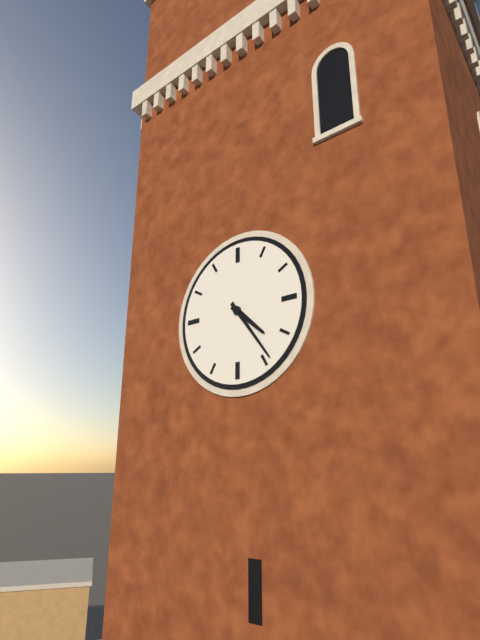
4:24
